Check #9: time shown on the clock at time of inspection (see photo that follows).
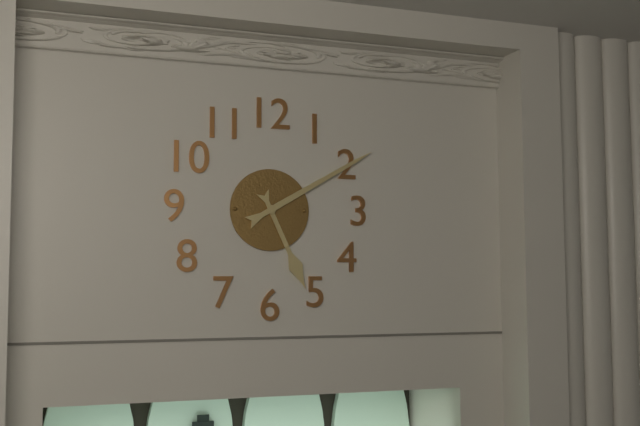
5:10
